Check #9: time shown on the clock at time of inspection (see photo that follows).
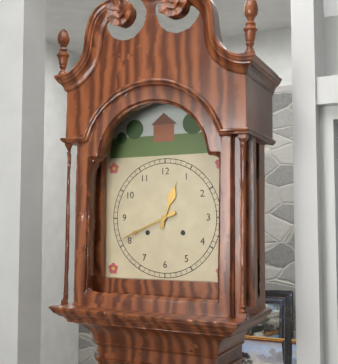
12:41
